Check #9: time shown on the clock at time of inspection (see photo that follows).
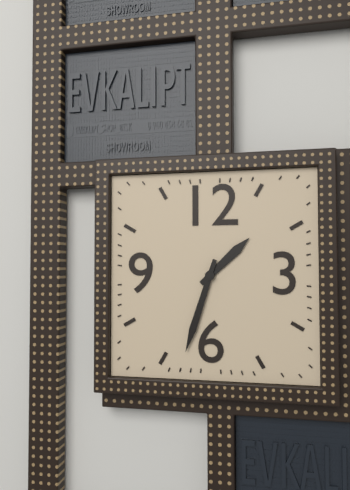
1:33
